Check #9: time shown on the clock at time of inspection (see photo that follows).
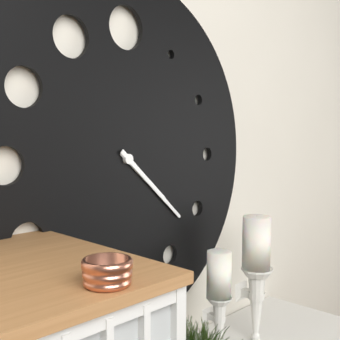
4:22
